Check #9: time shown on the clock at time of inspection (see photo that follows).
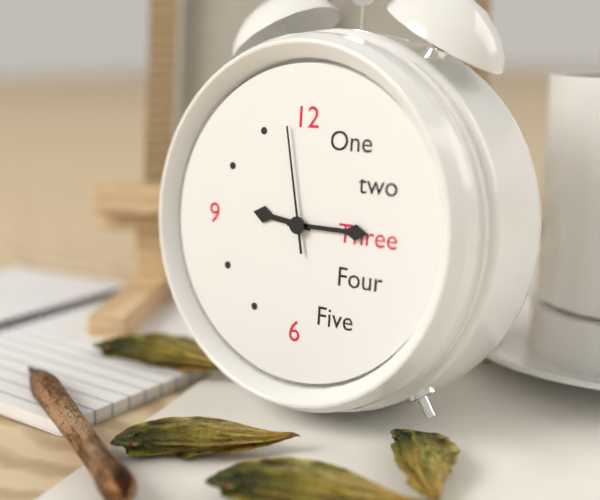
9:15:58
